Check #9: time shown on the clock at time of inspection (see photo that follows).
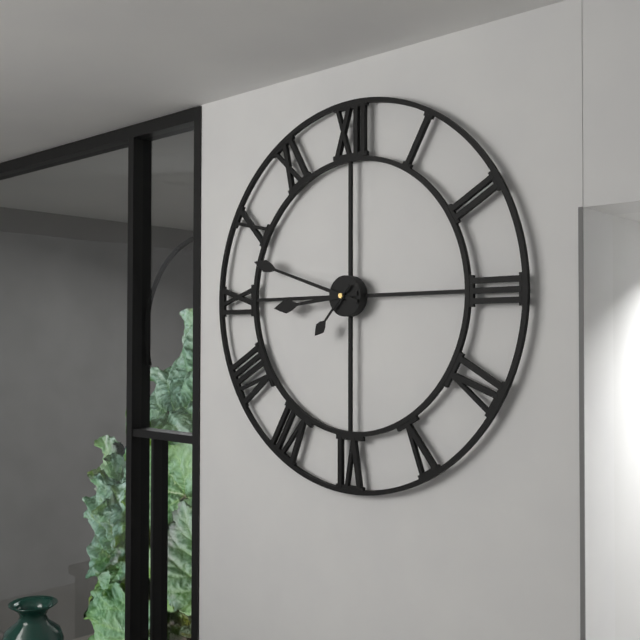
8:48:37
